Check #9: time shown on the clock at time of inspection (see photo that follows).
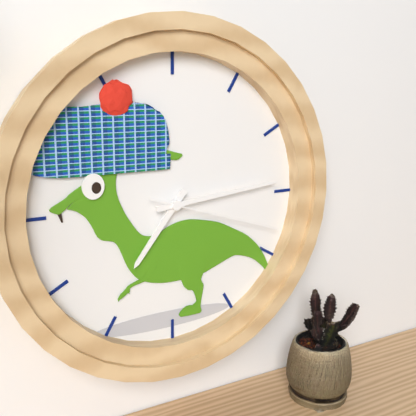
7:14:18
